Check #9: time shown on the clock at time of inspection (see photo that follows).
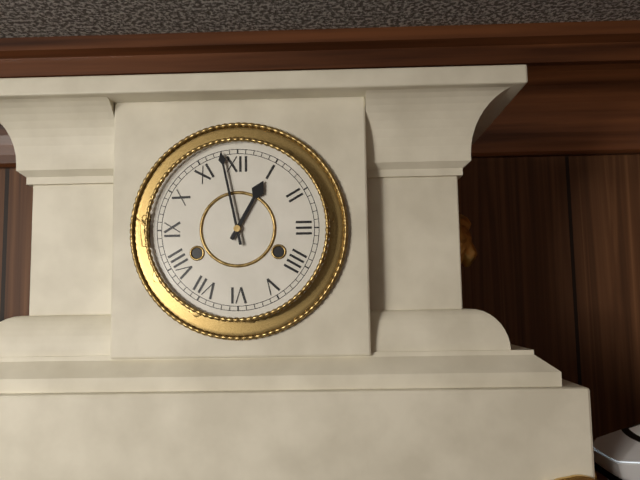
12:58
